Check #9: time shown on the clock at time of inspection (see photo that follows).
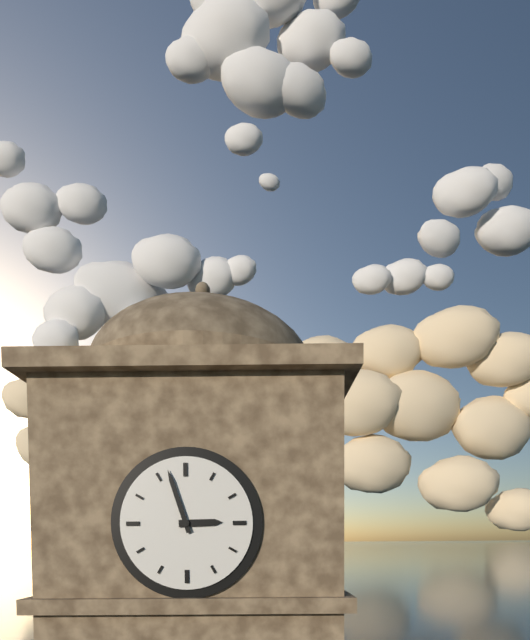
2:57
